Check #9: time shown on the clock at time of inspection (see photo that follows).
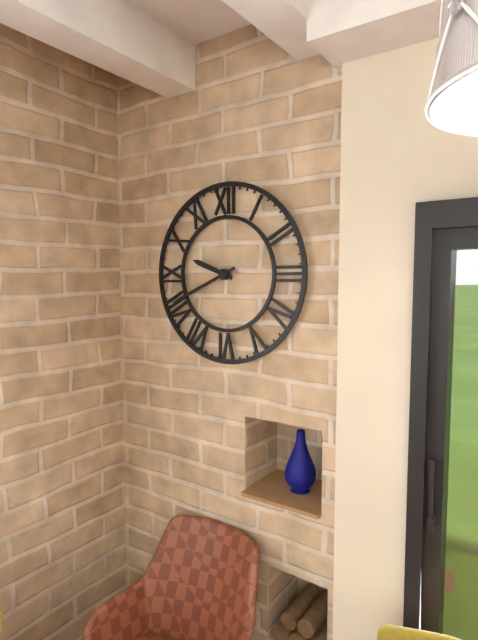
9:41
